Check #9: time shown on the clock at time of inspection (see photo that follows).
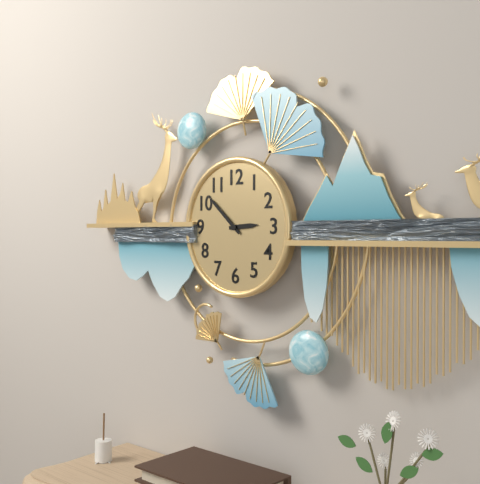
2:52
